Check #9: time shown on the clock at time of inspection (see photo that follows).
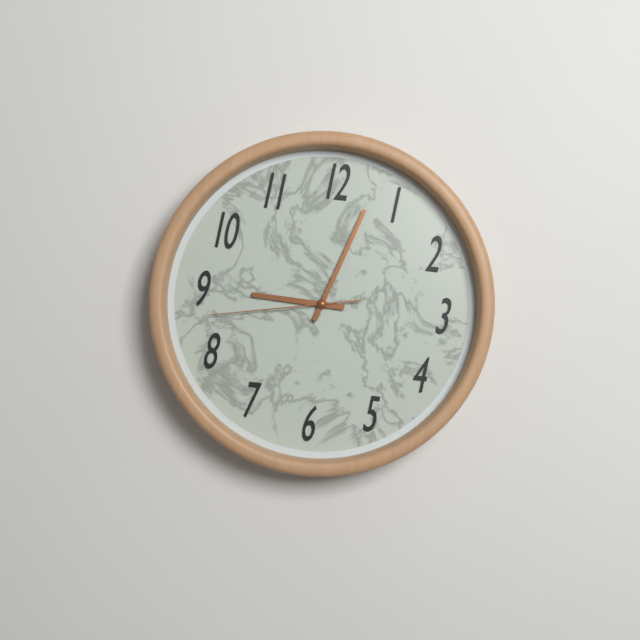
9:03:43
